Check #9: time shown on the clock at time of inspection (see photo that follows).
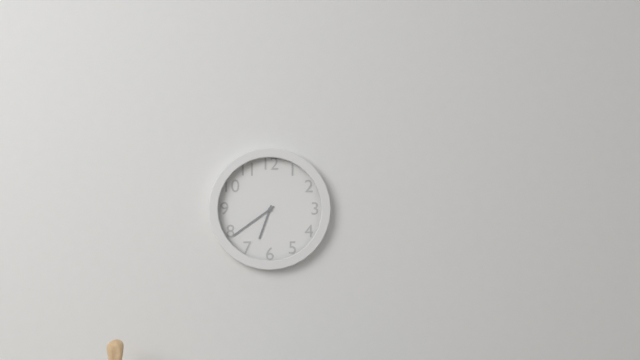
6:39
